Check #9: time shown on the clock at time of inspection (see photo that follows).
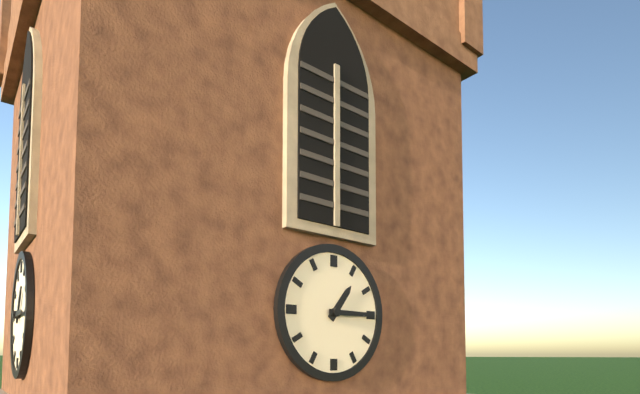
1:15
